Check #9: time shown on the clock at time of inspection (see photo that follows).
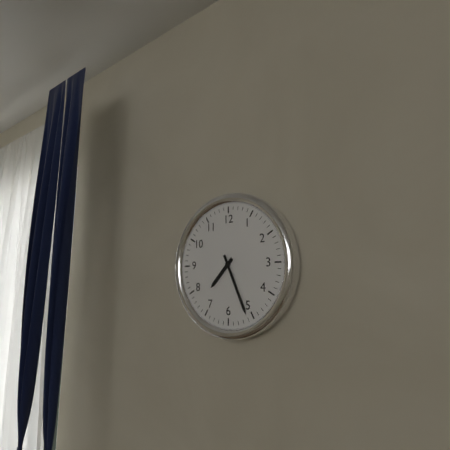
7:26
